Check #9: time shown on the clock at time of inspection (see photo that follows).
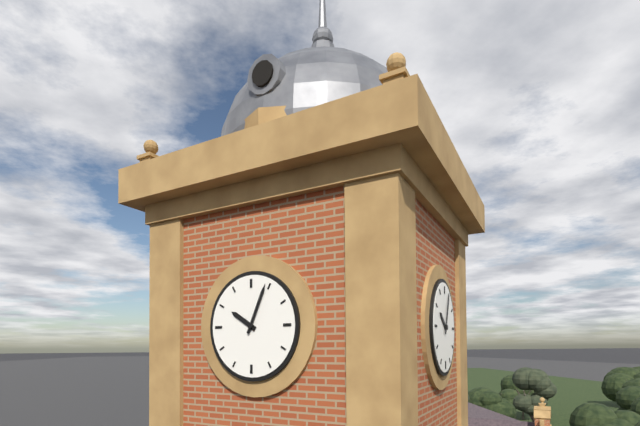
10:04
